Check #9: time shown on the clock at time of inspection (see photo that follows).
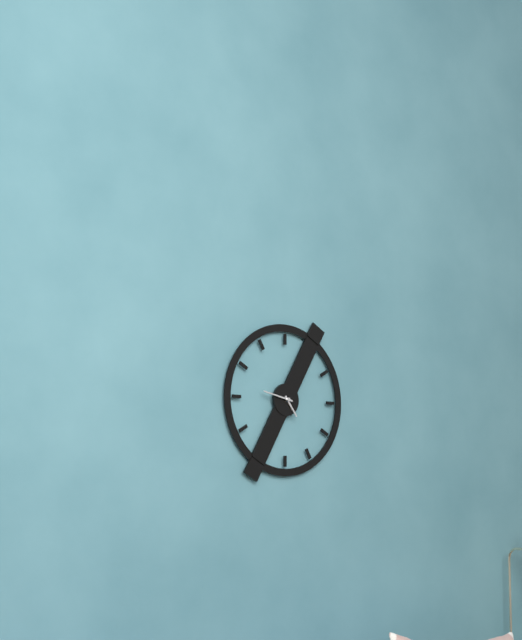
4:47
